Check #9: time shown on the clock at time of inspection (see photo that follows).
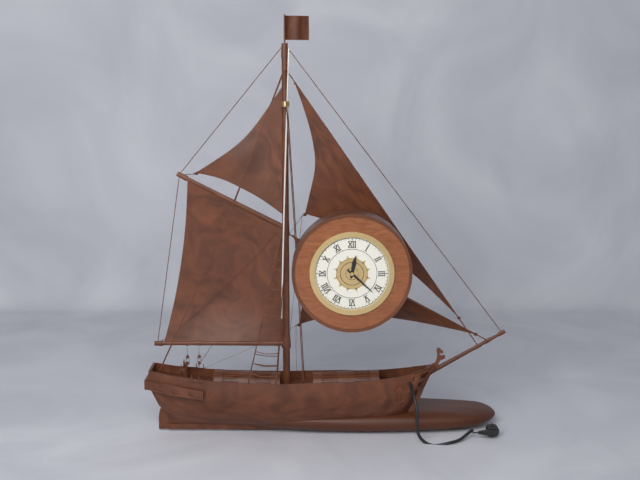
12:22
